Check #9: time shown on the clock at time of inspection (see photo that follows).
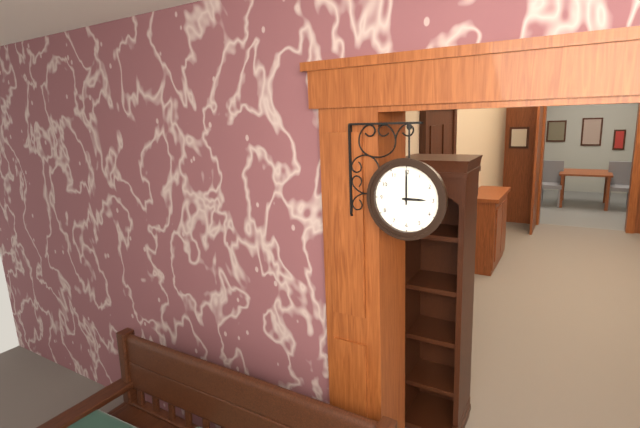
3:00
